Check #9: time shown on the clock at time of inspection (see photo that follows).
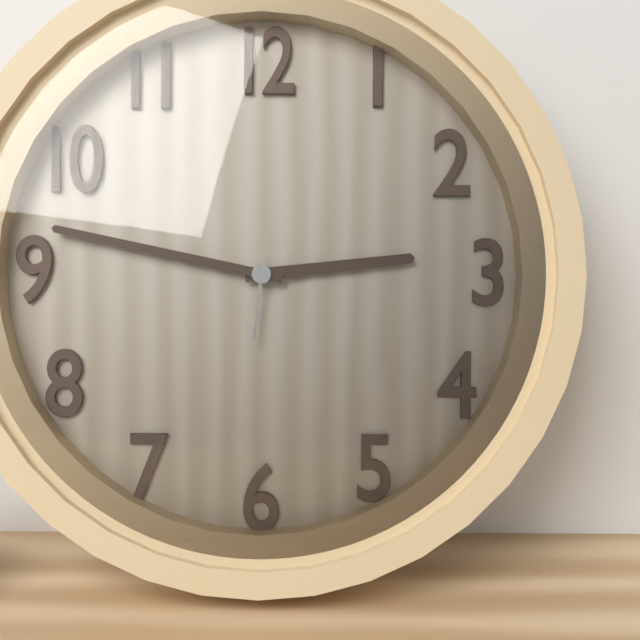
2:47:31
